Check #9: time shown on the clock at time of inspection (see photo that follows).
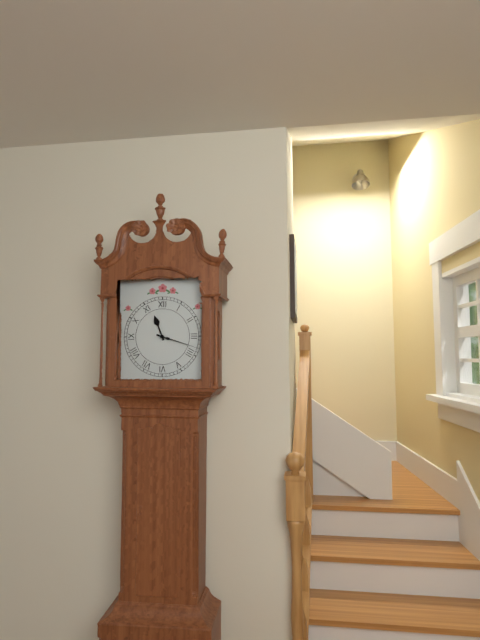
11:18
